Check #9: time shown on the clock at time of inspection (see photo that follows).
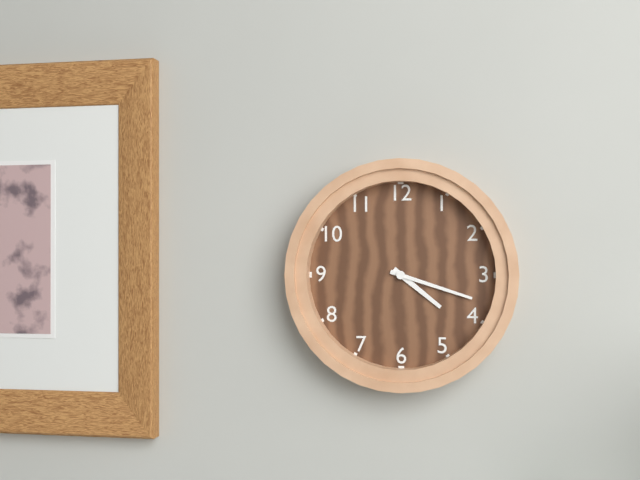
4:18
